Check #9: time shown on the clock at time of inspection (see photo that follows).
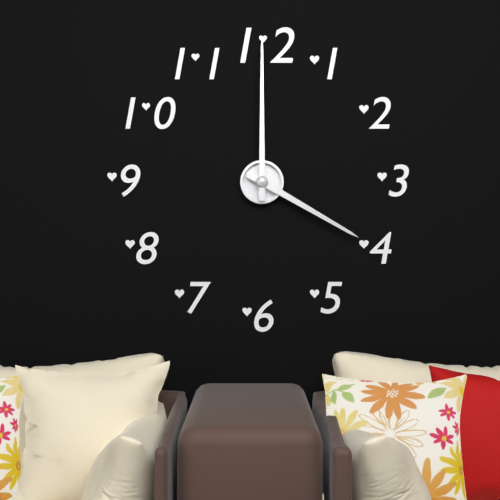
4:00
